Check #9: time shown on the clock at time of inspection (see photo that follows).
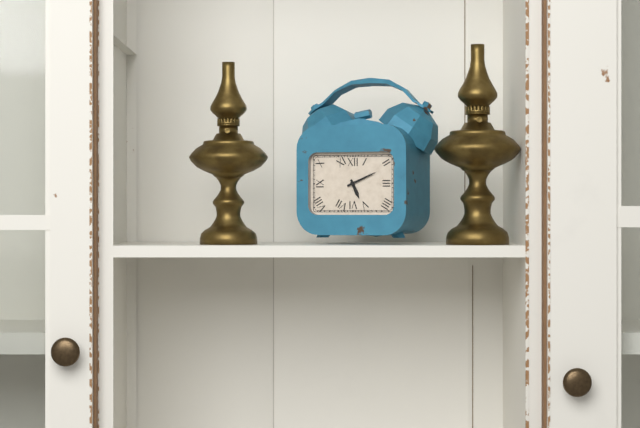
5:11
